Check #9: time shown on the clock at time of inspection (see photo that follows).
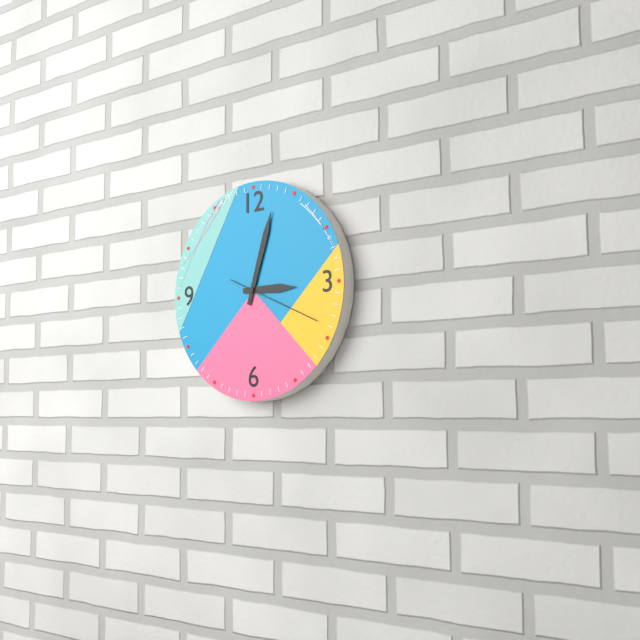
3:03:19
